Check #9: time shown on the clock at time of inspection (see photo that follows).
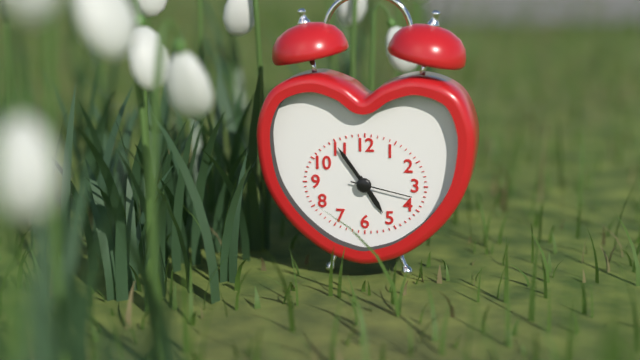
4:54:17
